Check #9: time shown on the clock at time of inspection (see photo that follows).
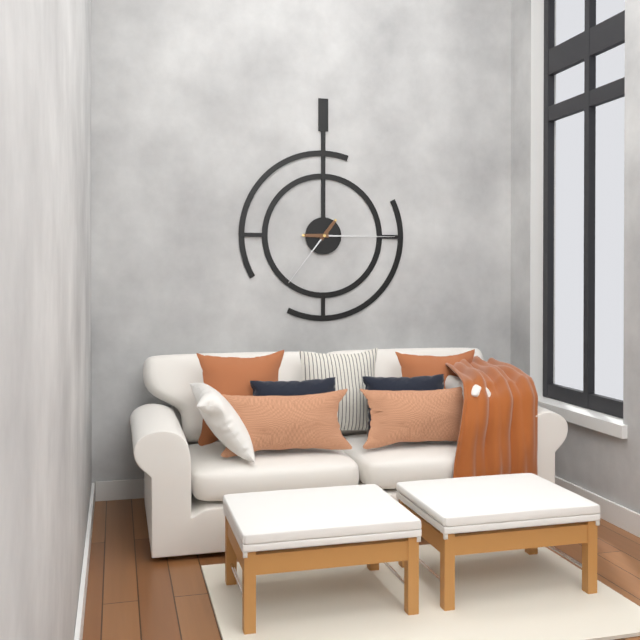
7:15
